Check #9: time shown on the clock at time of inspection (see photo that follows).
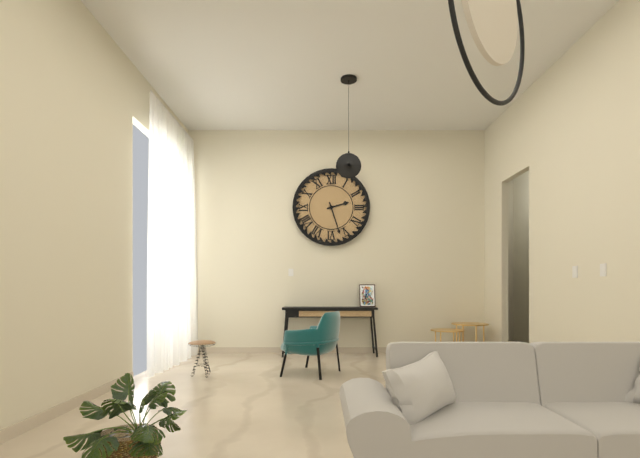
2:27
